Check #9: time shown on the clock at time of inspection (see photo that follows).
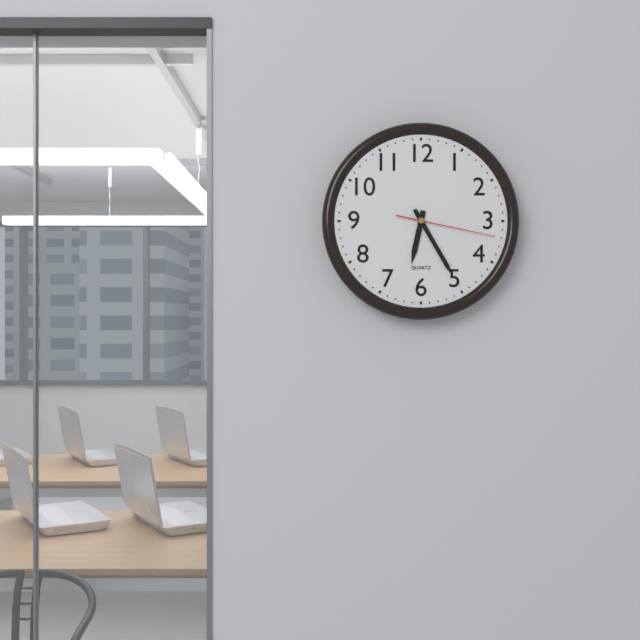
6:25:17
